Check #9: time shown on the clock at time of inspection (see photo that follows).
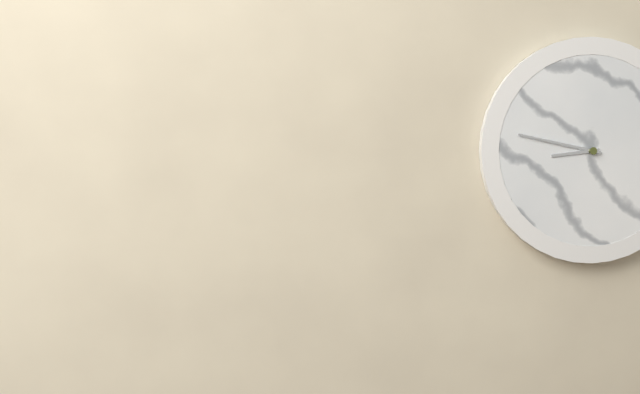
8:47
